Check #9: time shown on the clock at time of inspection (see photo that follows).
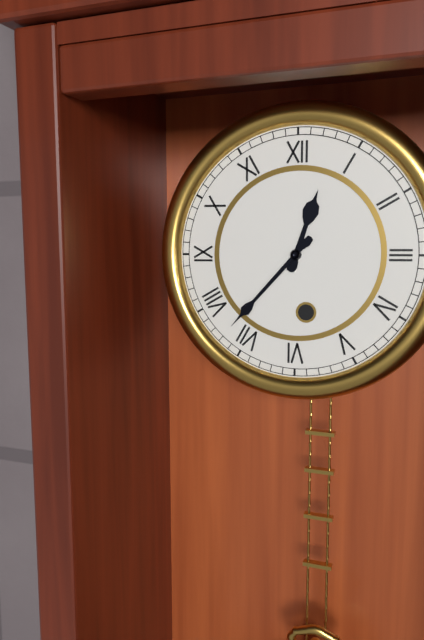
12:37
